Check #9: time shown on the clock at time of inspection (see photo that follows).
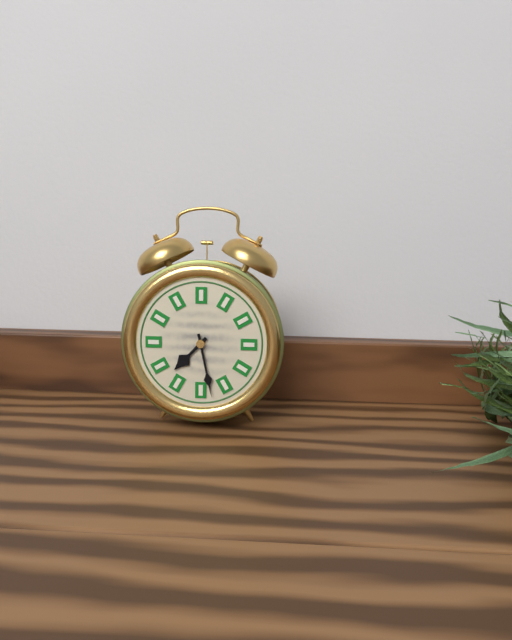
7:28
